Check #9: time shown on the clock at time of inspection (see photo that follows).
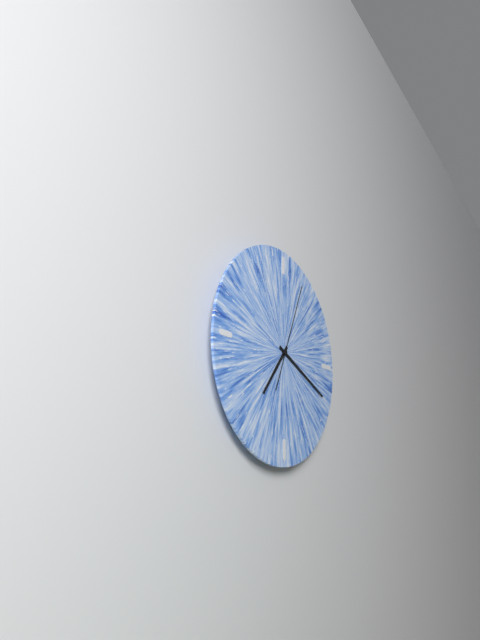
7:19:04
